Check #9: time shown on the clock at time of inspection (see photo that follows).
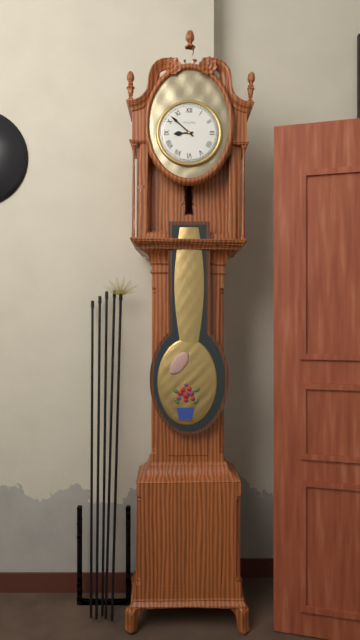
8:52
